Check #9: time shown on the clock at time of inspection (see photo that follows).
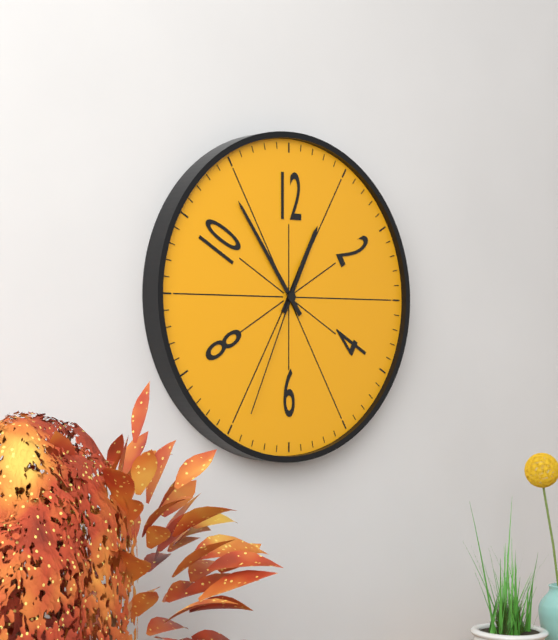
12:54:34
